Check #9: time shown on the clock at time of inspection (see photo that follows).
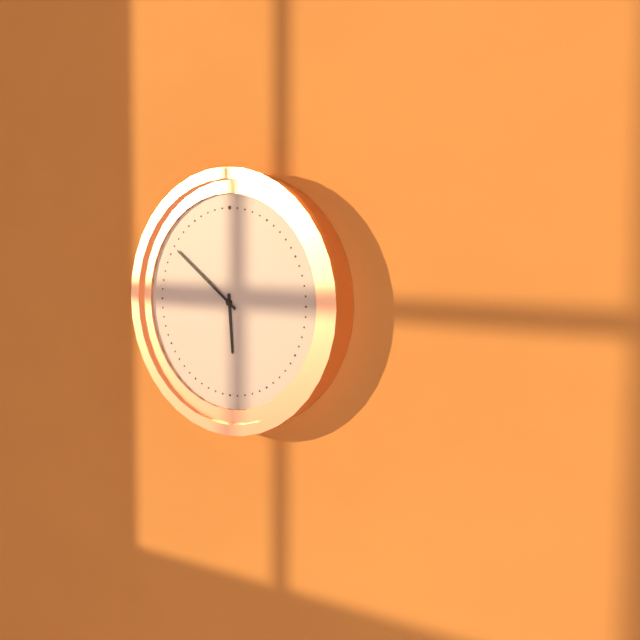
5:51
